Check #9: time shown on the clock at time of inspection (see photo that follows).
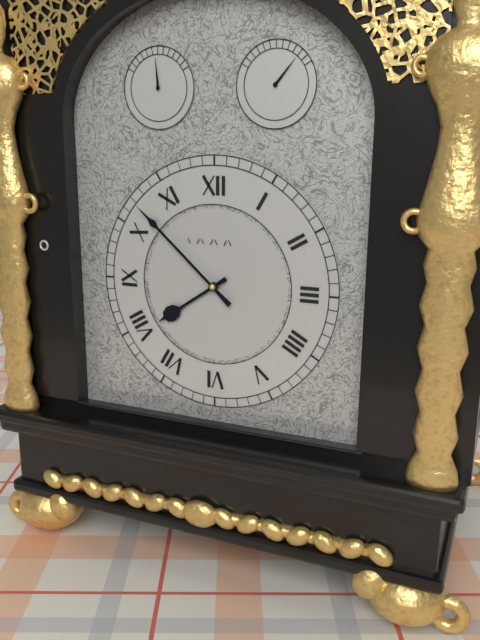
7:52
